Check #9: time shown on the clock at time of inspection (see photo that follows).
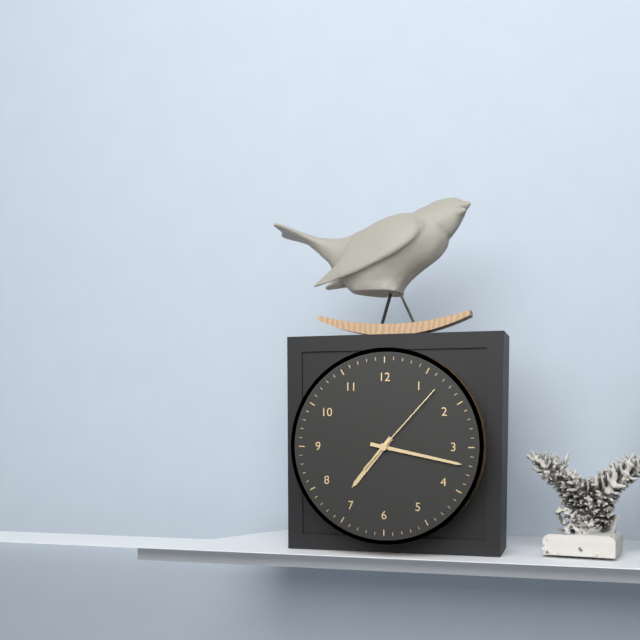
7:17:07
